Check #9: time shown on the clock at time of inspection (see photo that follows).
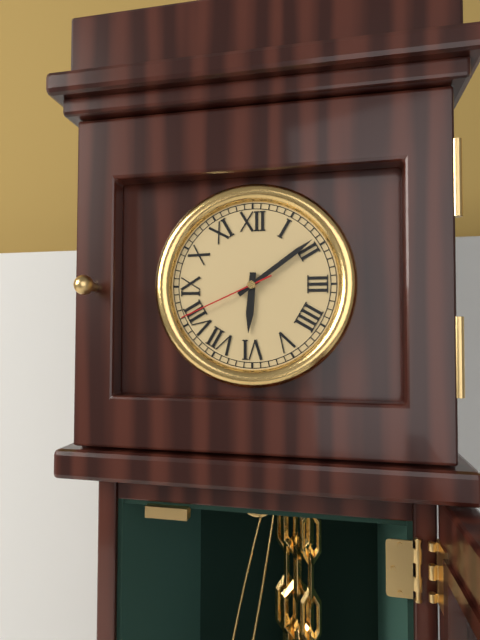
6:09:41
